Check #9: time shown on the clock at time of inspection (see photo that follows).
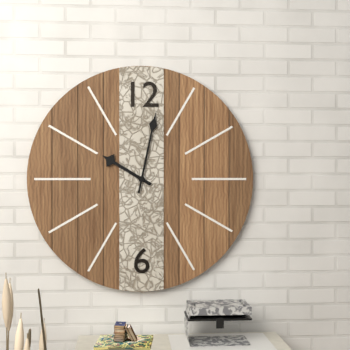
10:02
